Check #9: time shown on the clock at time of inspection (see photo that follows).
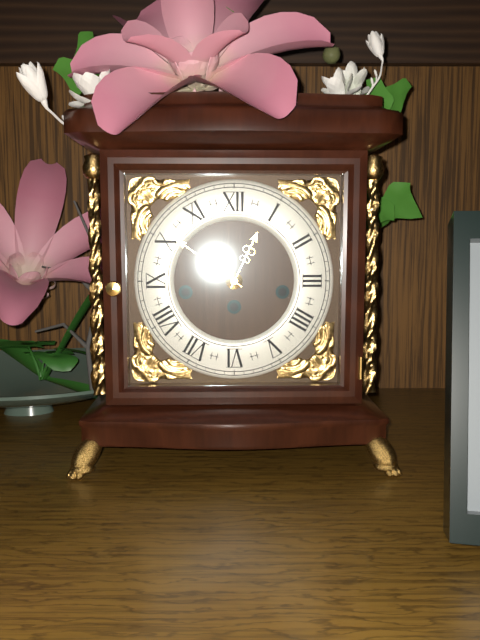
12:51
